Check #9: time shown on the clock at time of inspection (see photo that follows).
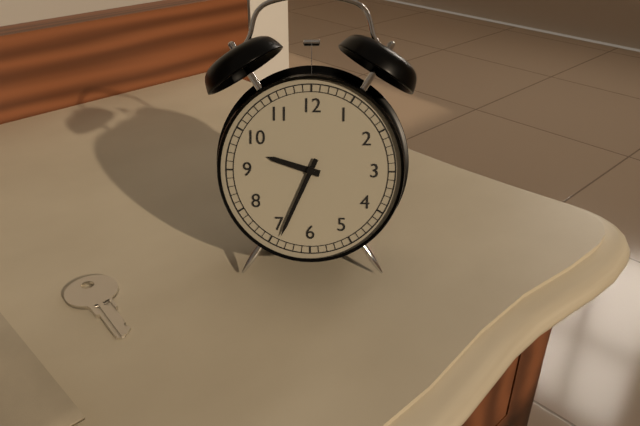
9:34
